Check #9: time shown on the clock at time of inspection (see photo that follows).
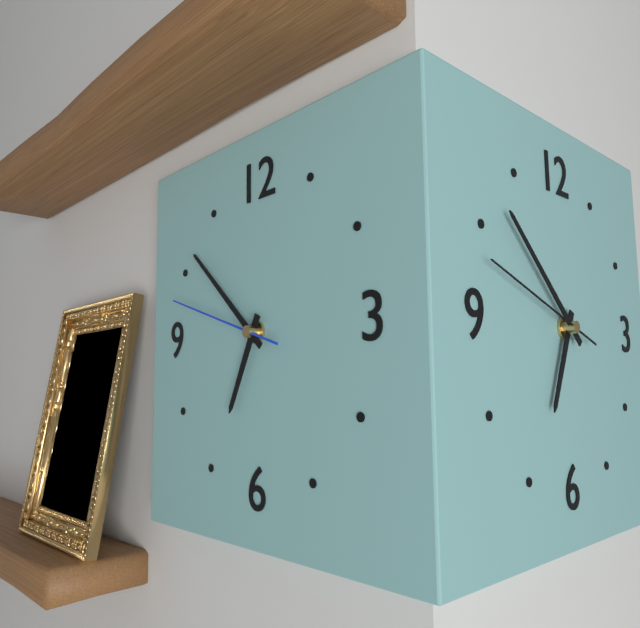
6:52:48
